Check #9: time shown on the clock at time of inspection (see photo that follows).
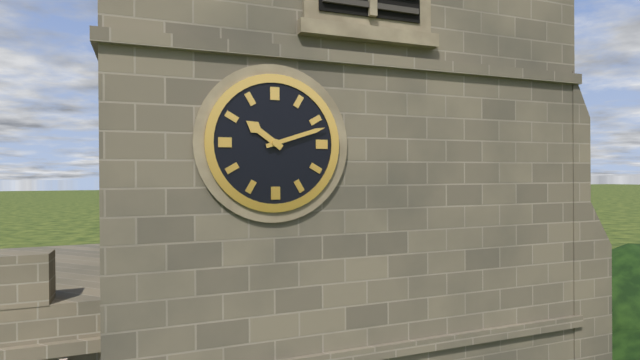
10:12
